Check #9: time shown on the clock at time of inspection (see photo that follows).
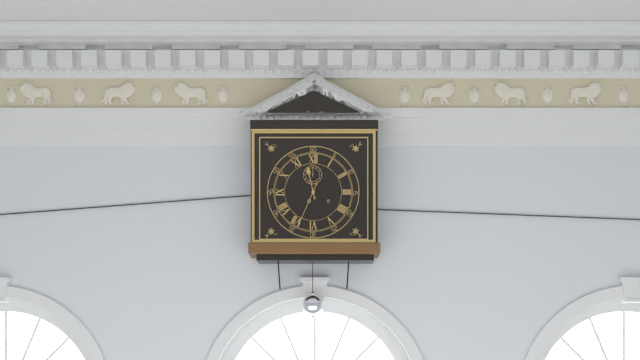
11:34
